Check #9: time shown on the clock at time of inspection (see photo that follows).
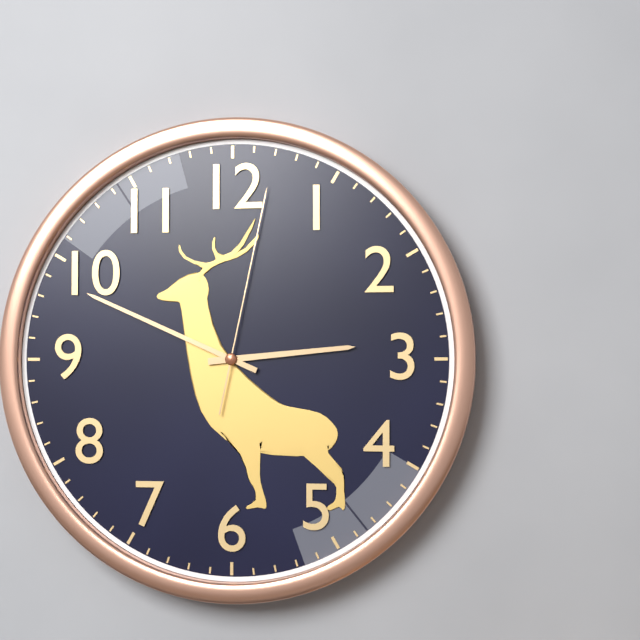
2:49:02
